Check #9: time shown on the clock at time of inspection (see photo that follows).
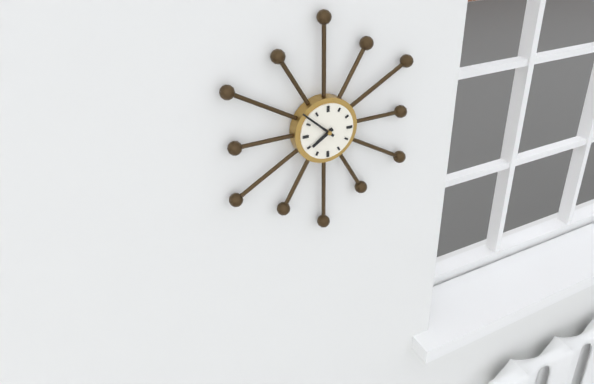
7:52
